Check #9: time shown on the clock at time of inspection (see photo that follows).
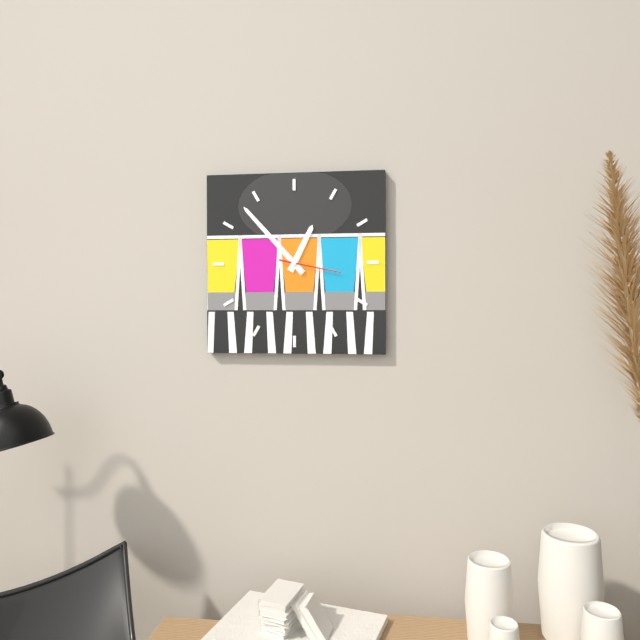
12:53:17
